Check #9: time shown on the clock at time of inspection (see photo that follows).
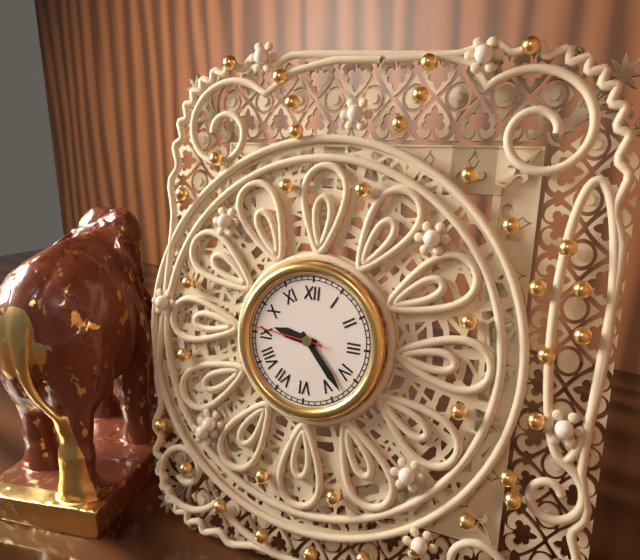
9:23:46
